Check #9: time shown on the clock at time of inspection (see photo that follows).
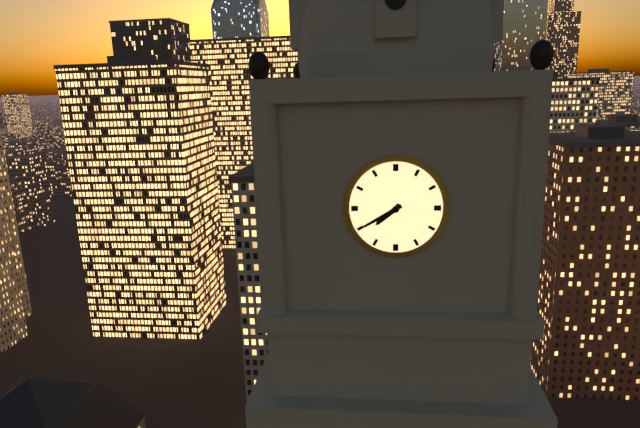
7:40
